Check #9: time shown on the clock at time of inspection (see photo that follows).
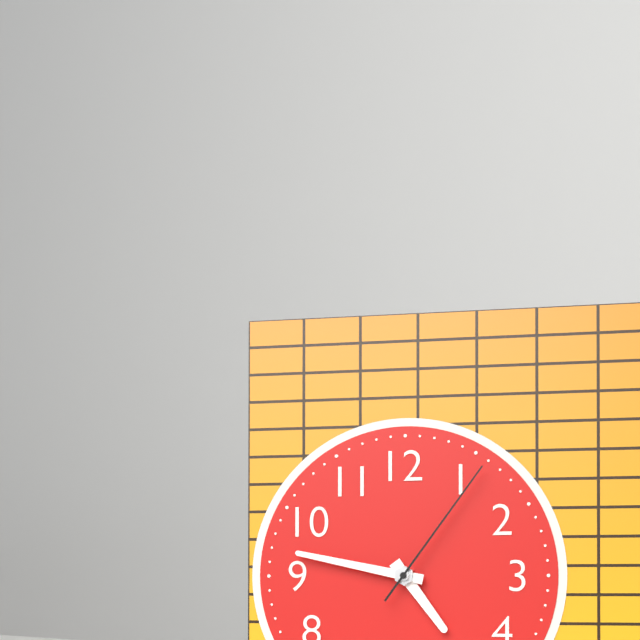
4:47:06
